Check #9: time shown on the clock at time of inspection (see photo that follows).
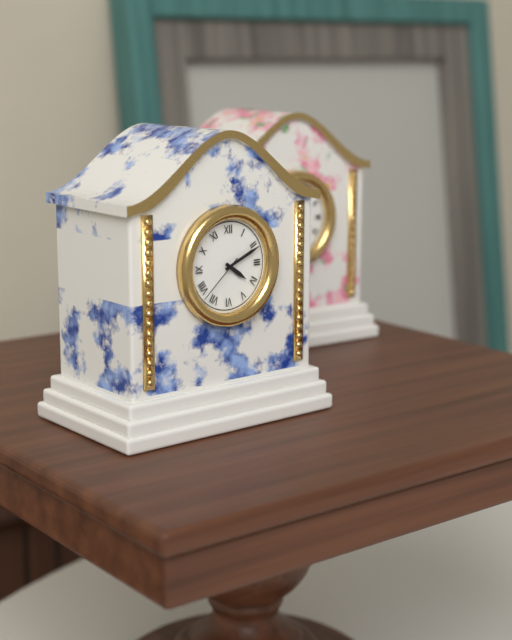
4:11:38
